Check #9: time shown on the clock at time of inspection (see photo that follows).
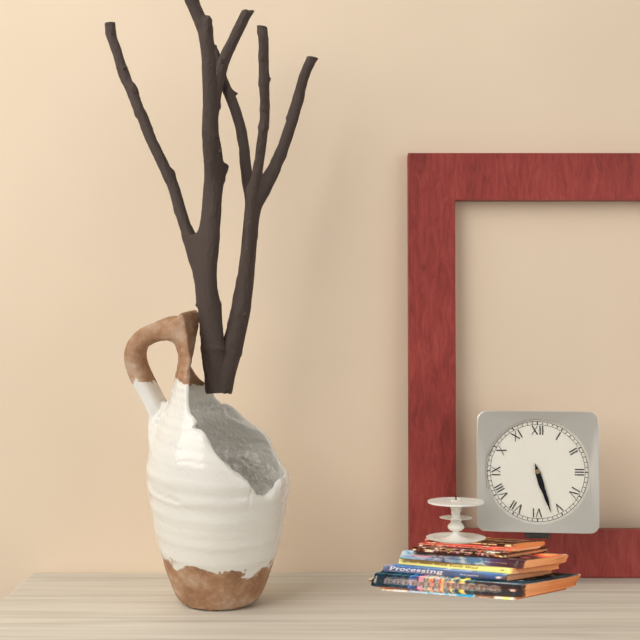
5:27
